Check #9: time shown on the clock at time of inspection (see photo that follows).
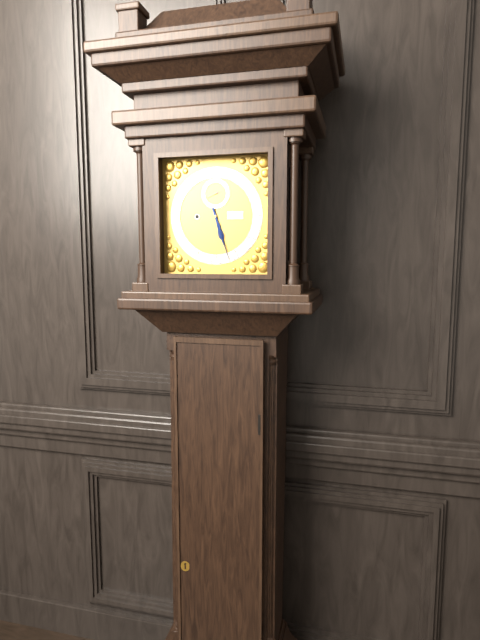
5:27
